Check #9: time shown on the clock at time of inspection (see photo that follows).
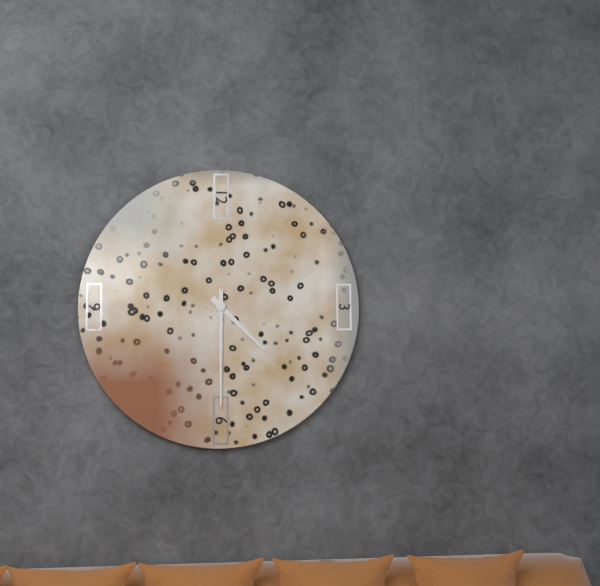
4:30
